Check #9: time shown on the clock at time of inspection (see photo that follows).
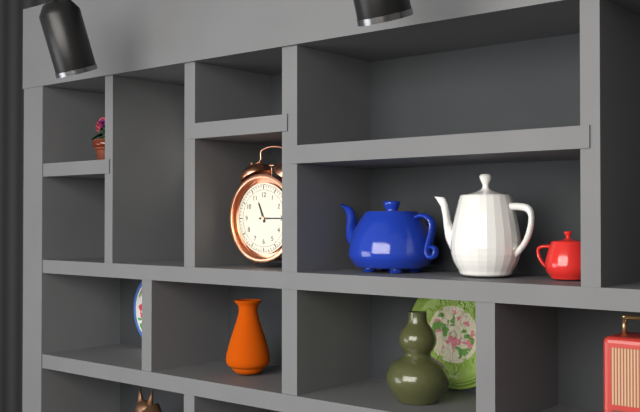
11:15
